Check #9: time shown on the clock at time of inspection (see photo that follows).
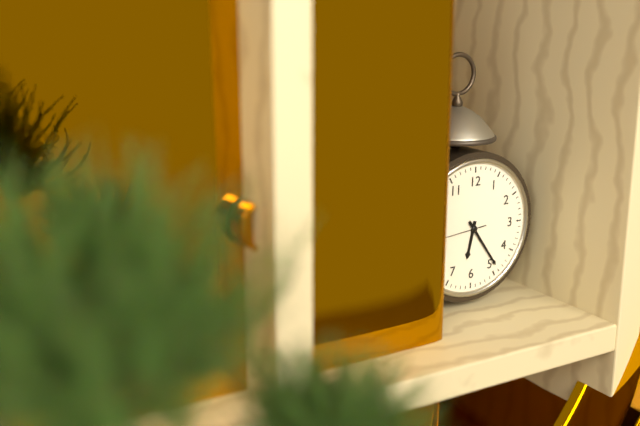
6:24
